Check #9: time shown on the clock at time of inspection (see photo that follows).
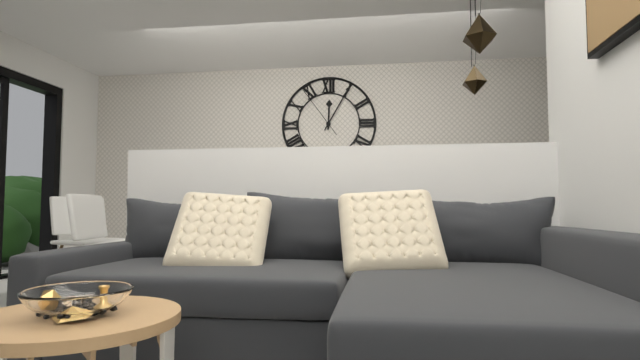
12:05:54
